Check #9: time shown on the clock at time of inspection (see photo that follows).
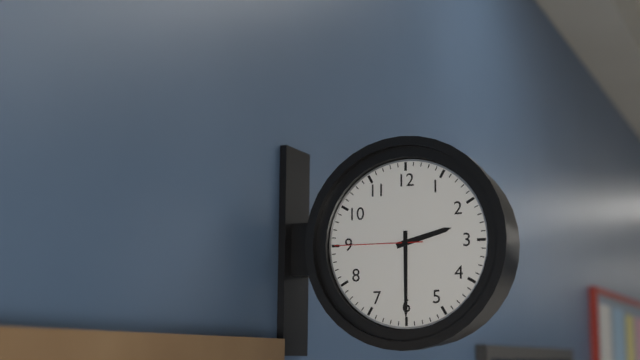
2:30:45
